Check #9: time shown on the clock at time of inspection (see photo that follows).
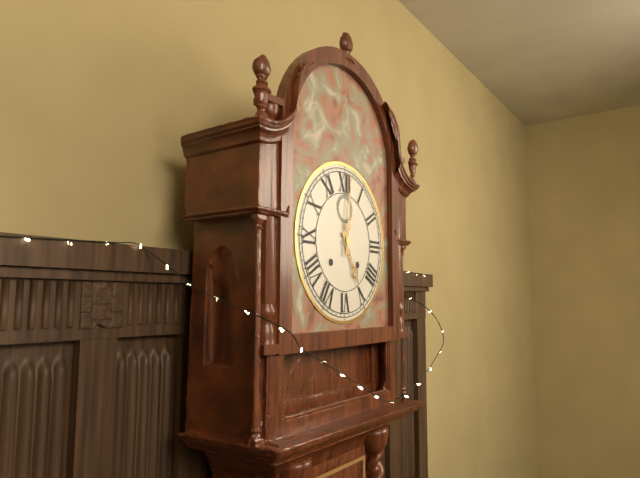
5:01
